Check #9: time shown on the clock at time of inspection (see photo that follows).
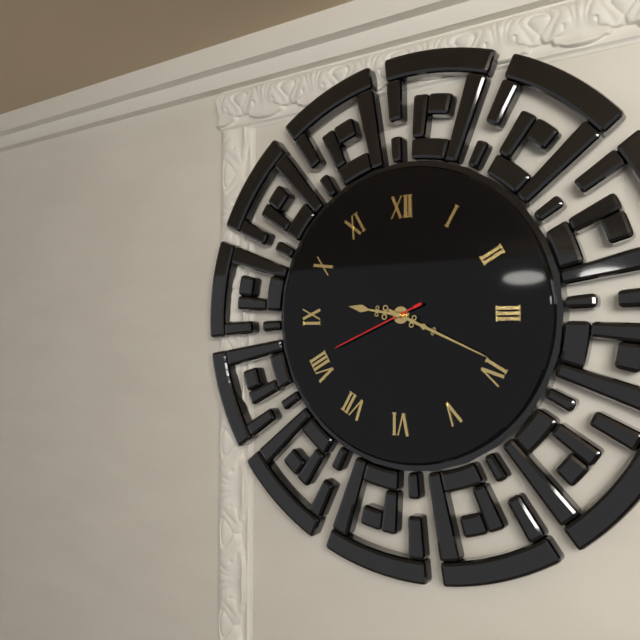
9:19:41
